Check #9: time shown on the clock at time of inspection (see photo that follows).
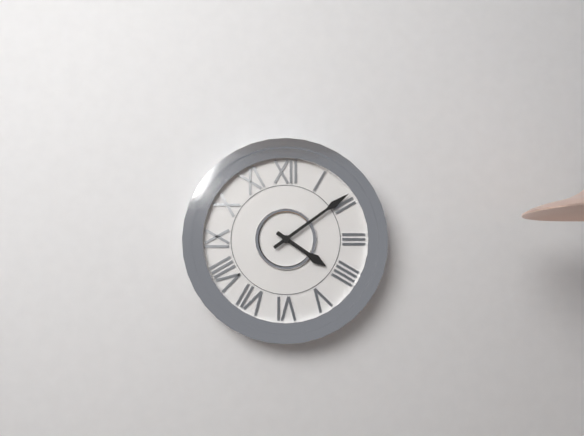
4:09
